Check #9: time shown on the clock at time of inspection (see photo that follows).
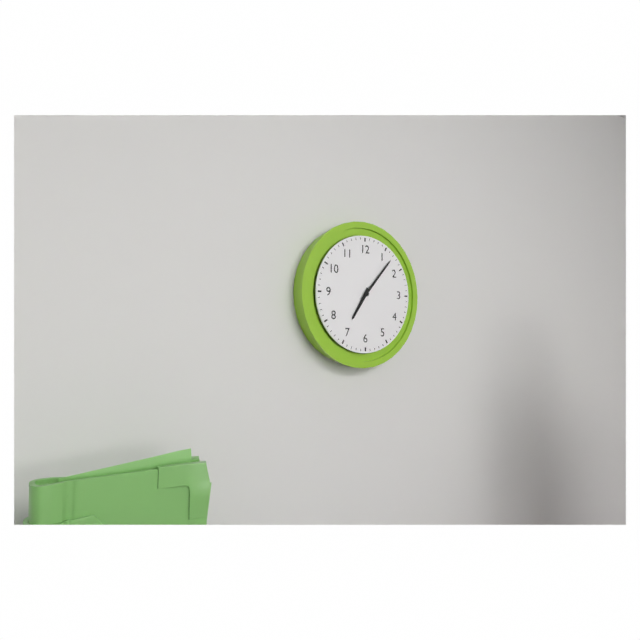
7:07
